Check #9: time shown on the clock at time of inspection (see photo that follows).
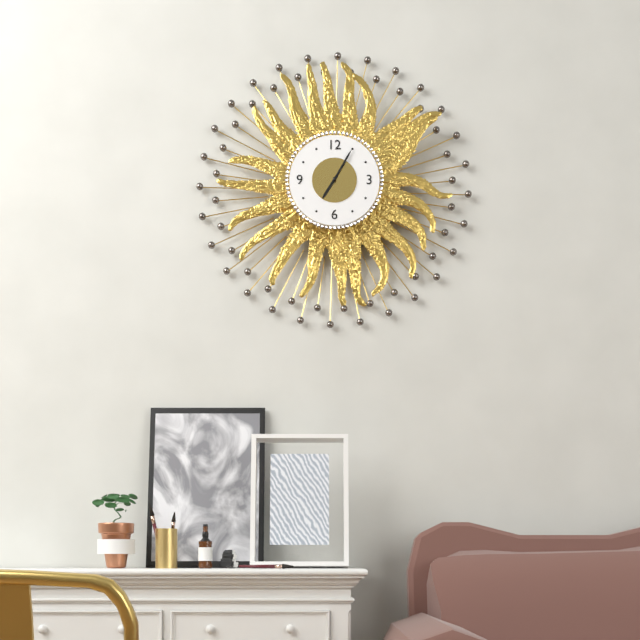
7:05
